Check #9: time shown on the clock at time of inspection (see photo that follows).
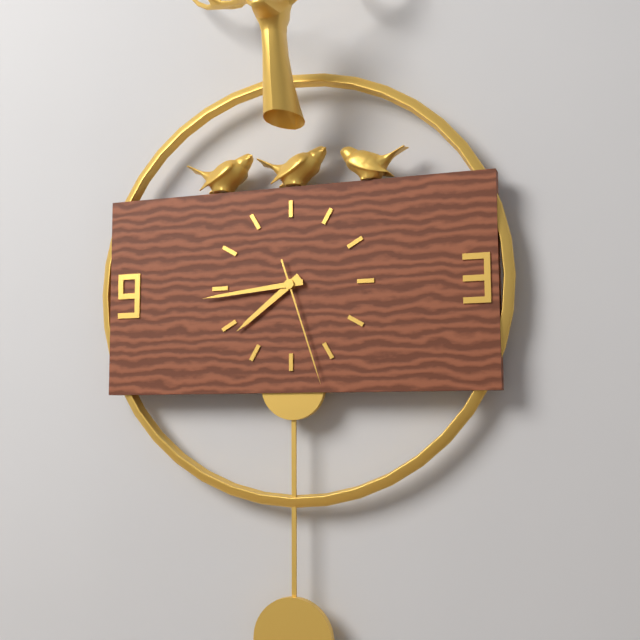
7:44:27
